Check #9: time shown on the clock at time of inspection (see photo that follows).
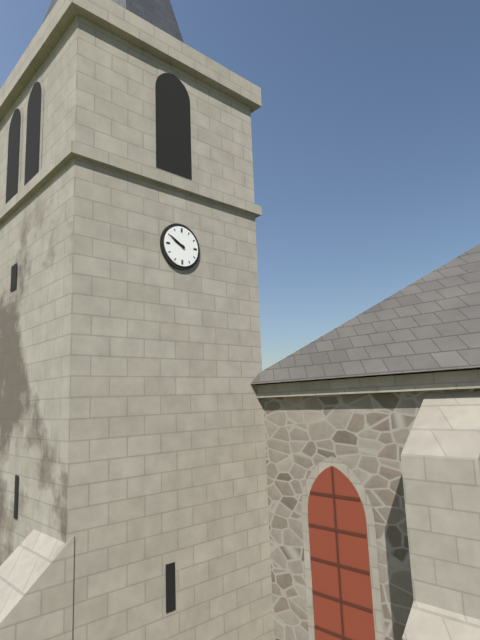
9:50
